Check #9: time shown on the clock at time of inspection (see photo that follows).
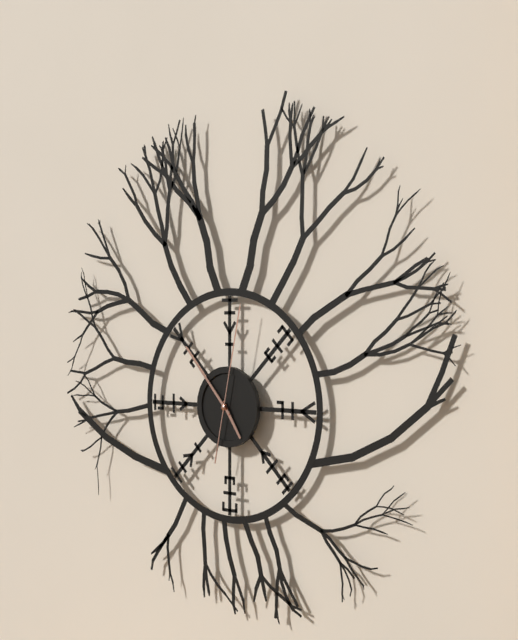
4:53:02
